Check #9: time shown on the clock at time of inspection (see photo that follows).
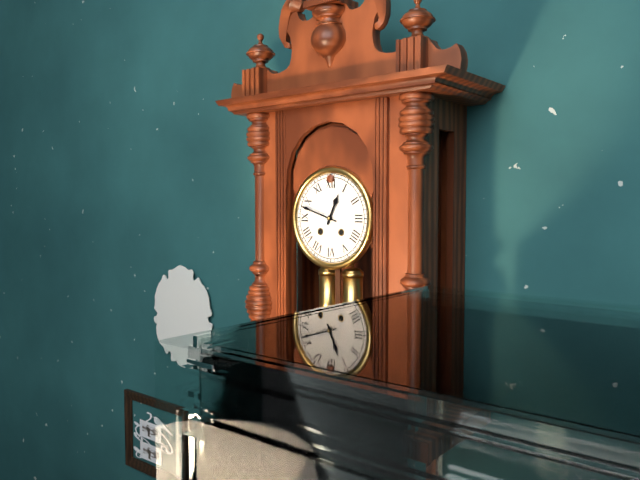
12:48
